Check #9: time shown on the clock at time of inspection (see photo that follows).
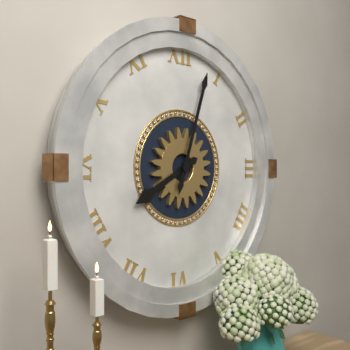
8:03
